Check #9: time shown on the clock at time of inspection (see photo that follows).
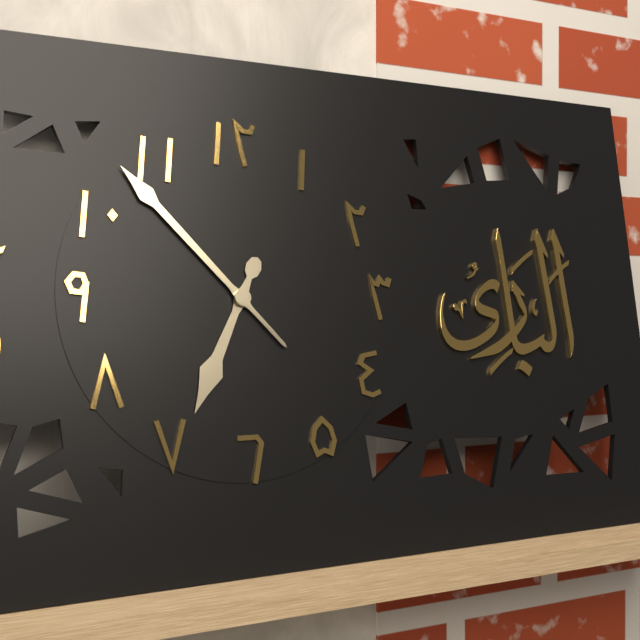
6:53
